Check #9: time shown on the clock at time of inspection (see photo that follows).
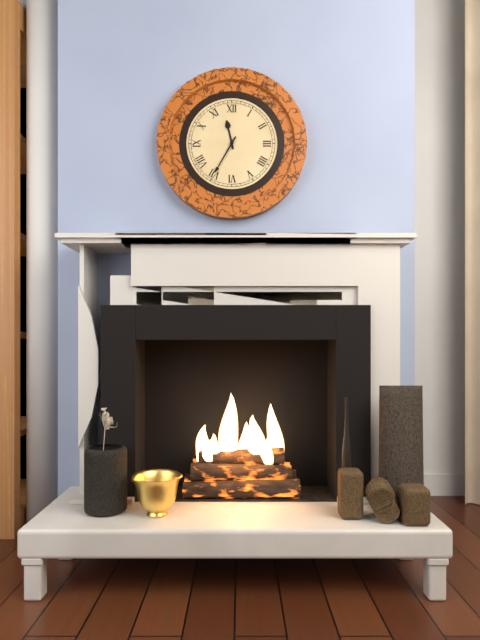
11:35
